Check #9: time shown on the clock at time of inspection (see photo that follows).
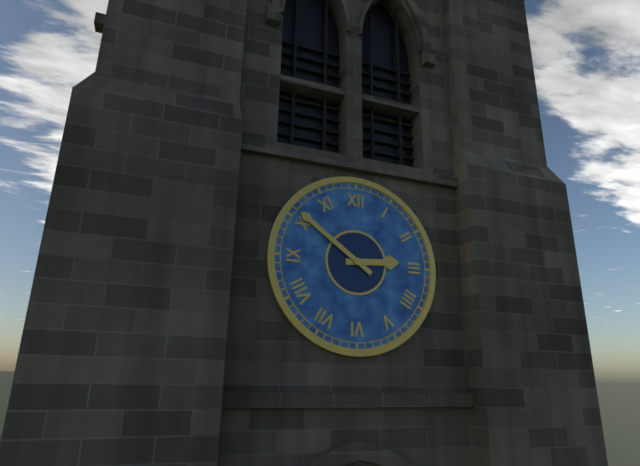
2:51
